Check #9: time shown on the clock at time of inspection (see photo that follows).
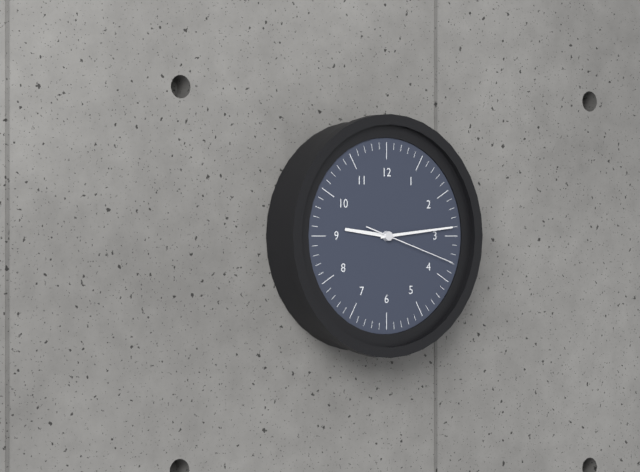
9:14:18
